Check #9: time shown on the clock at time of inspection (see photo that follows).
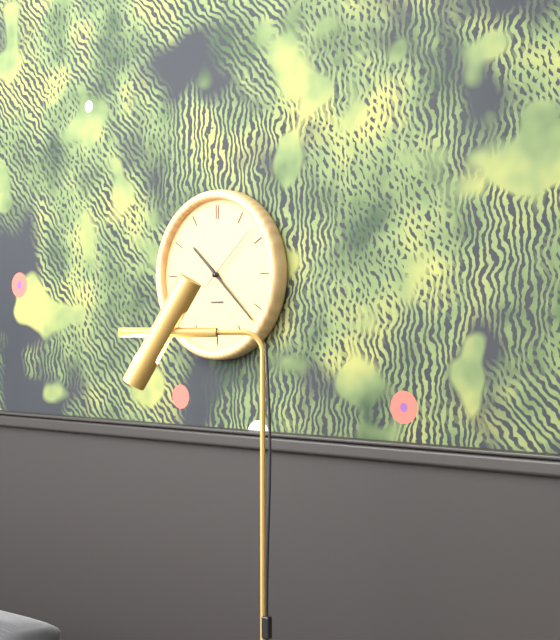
10:22:08
